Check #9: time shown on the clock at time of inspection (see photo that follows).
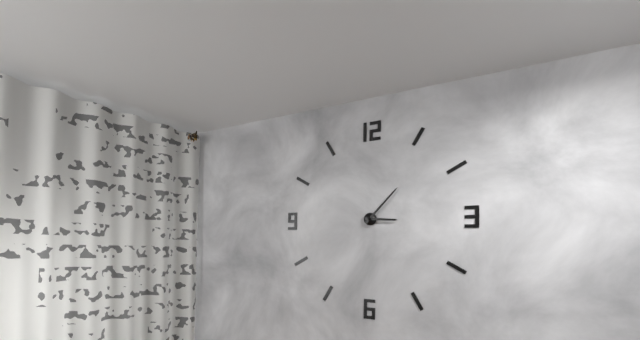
3:07
